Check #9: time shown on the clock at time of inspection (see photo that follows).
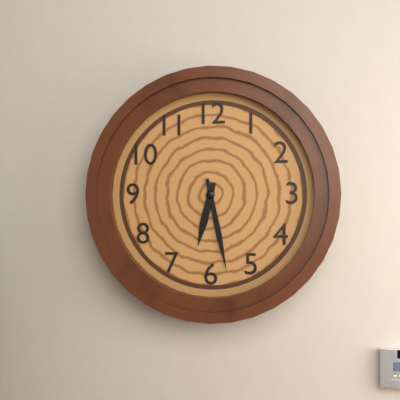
6:28
